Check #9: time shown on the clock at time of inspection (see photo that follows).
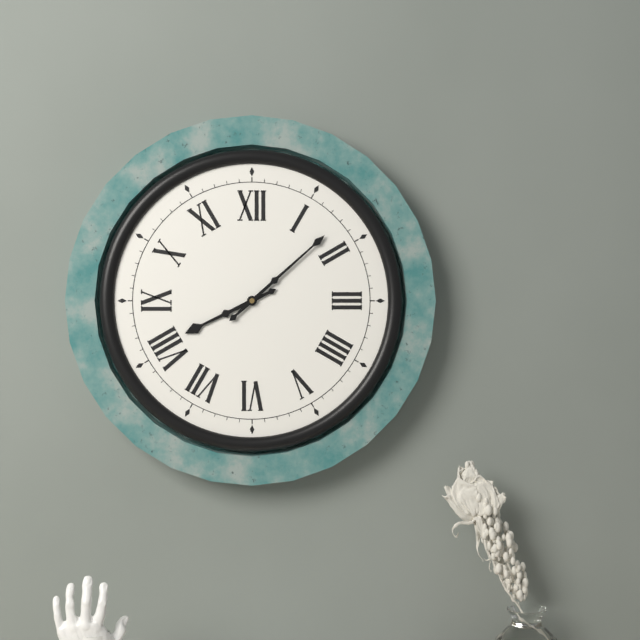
8:08
